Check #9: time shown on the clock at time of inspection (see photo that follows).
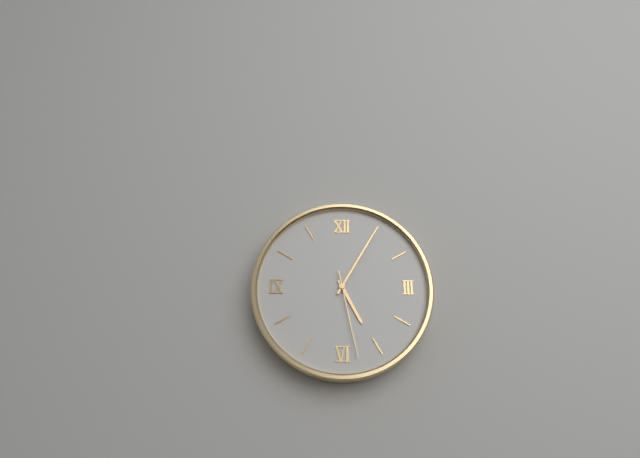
5:05:28
